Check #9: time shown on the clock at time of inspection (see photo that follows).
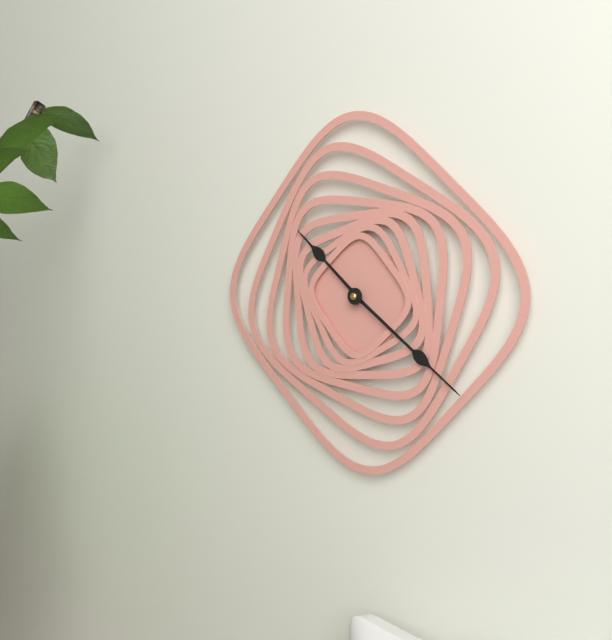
10:21
